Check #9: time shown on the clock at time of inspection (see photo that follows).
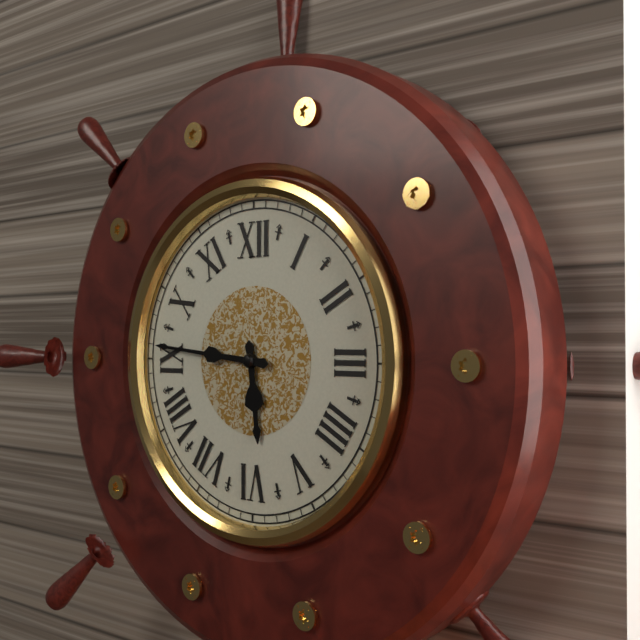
5:46
